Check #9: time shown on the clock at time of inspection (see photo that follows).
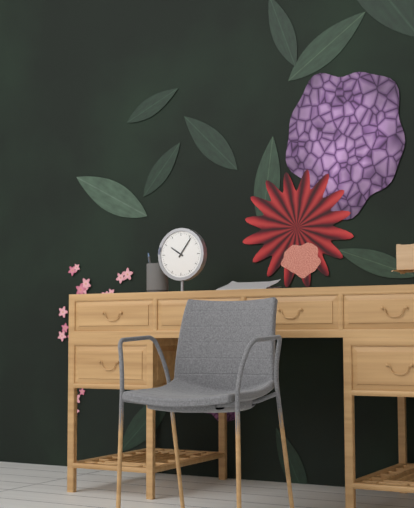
10:06
